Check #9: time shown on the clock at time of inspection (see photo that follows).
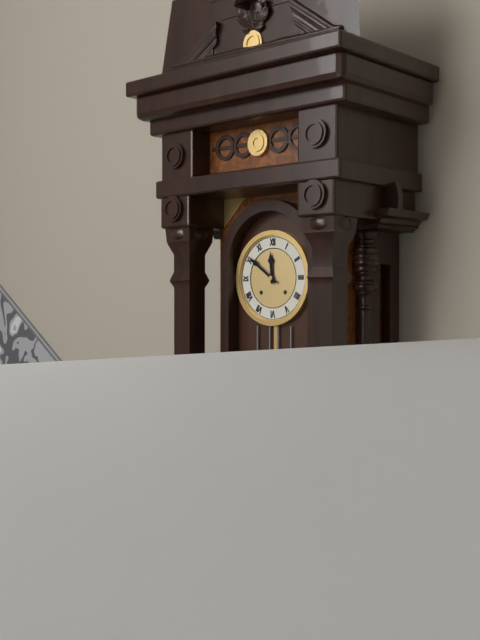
11:51
